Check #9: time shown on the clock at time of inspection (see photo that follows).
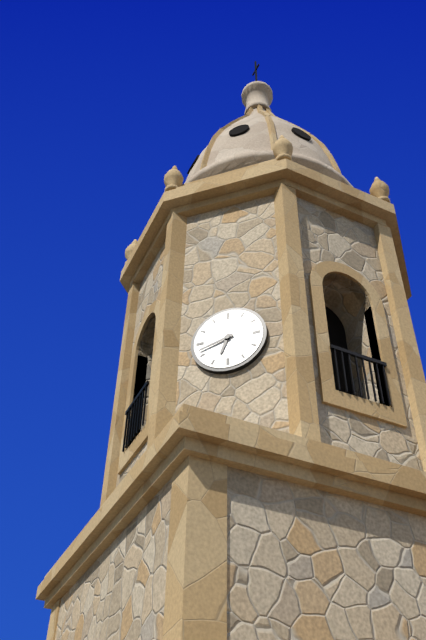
6:42
